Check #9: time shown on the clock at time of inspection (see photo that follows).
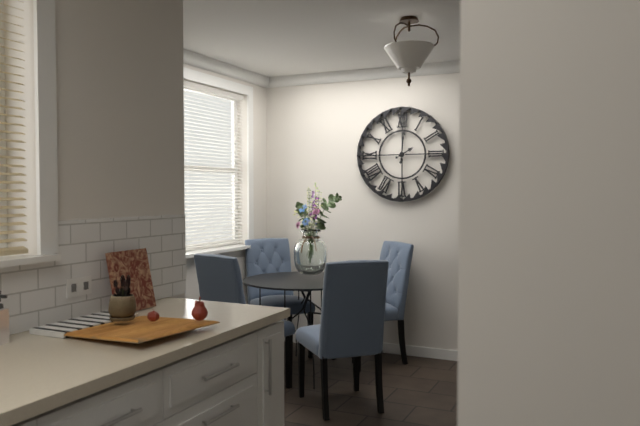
2:01
